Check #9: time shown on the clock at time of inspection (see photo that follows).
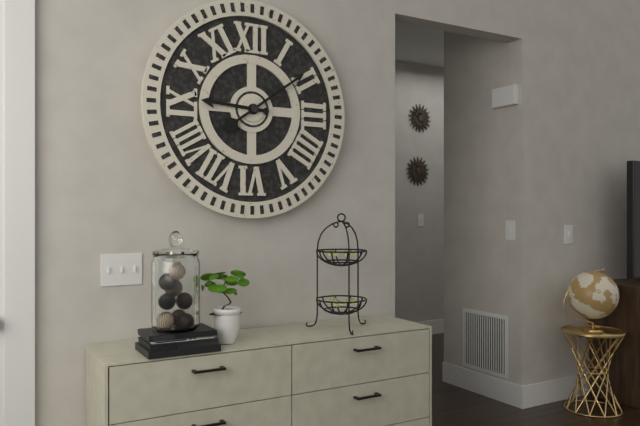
9:09
